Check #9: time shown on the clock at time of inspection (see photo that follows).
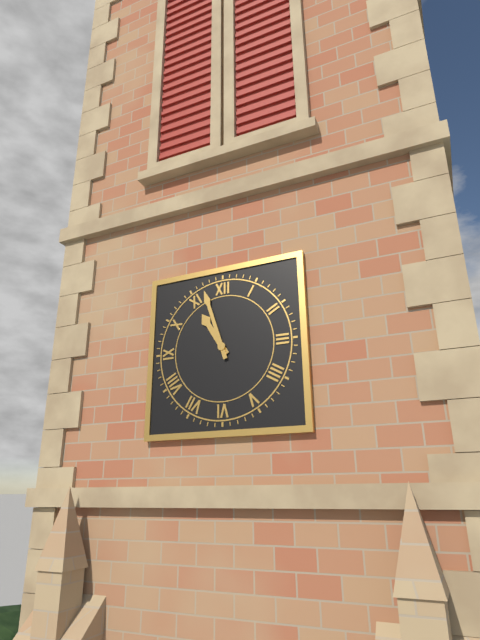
10:57
